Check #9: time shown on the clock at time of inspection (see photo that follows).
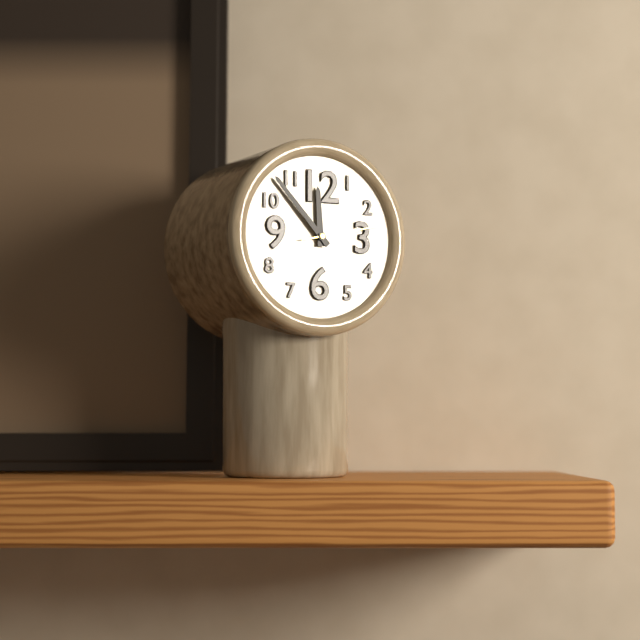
11:53:13
